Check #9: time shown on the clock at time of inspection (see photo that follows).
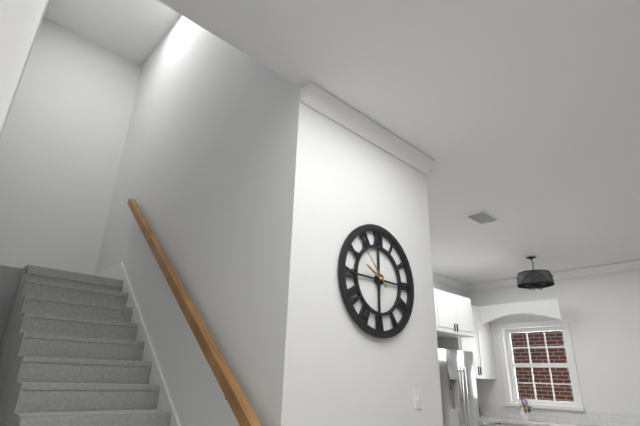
9:53
